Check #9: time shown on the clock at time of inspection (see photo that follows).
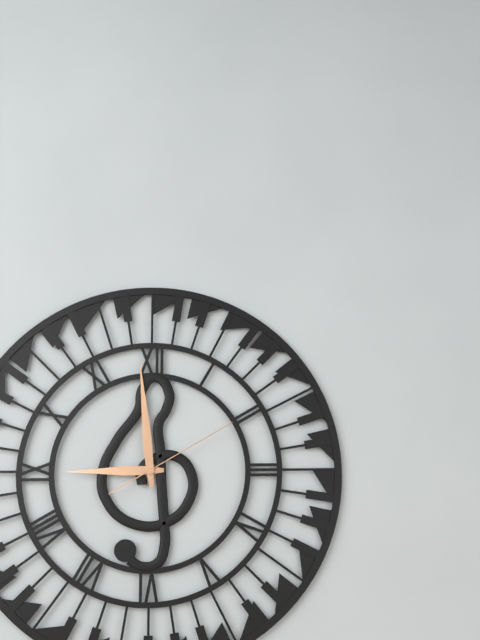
8:59:10
